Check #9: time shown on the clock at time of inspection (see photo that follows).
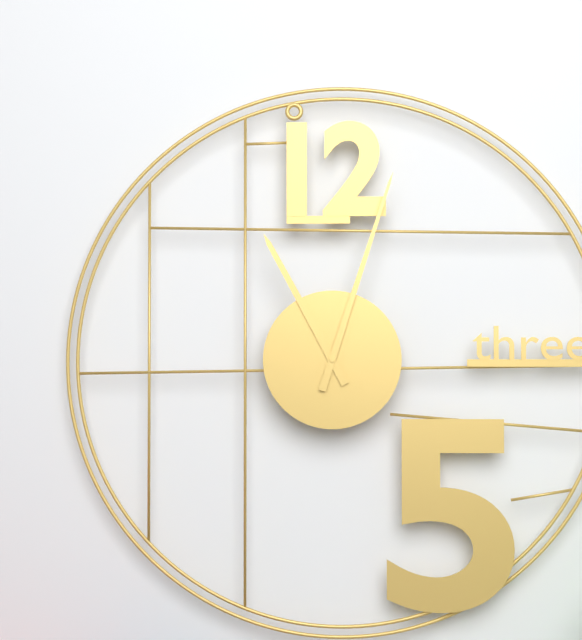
11:03
